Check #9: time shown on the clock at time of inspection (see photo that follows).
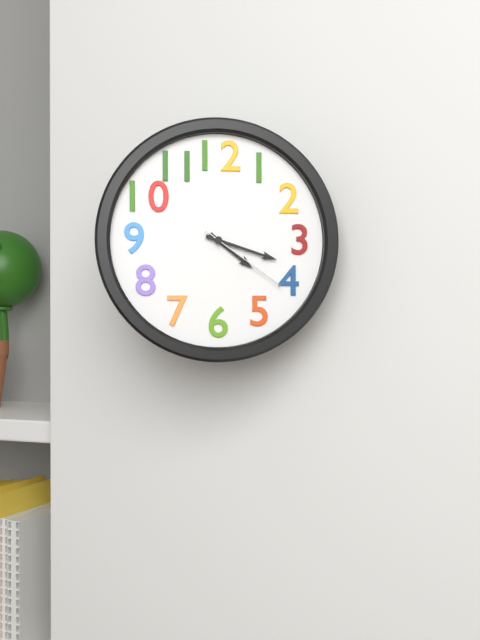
4:18:21
